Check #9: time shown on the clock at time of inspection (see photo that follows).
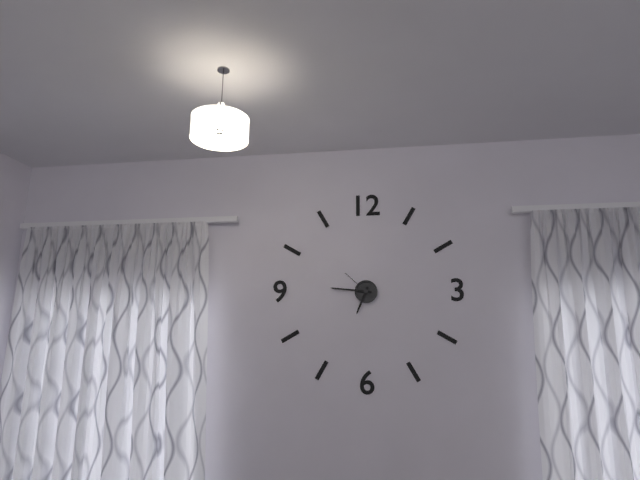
6:46
